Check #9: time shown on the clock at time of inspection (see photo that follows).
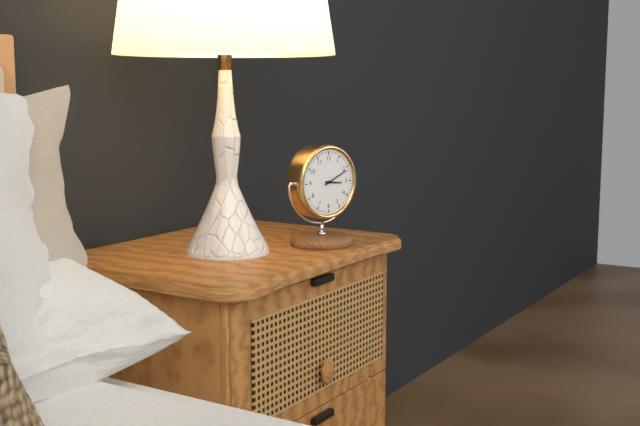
3:11
